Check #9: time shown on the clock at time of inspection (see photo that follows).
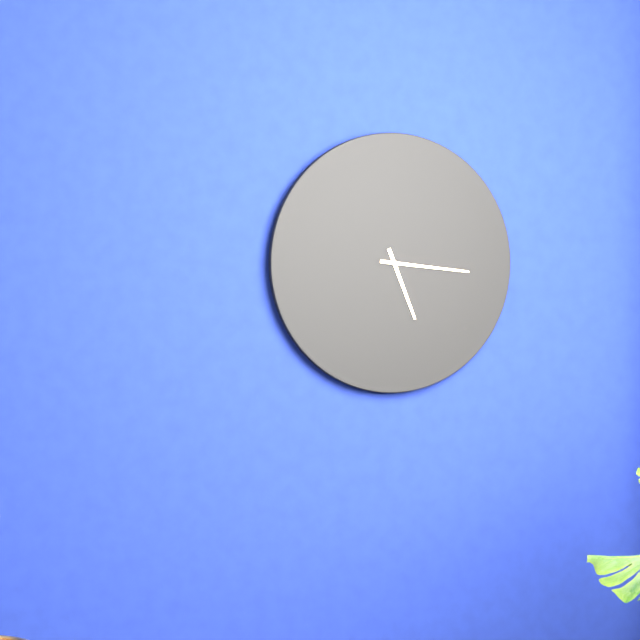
5:16
